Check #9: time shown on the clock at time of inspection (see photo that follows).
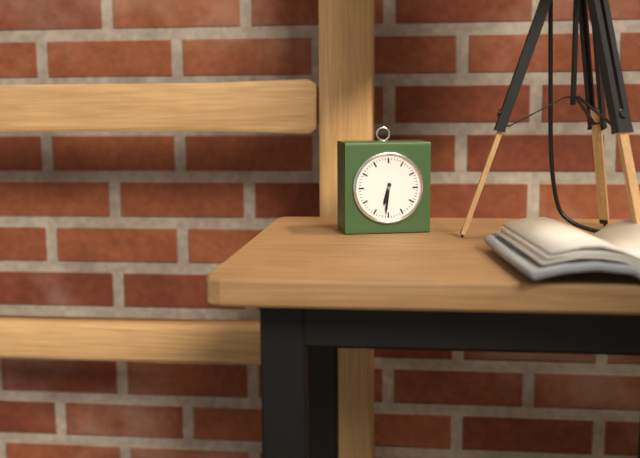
6:31
